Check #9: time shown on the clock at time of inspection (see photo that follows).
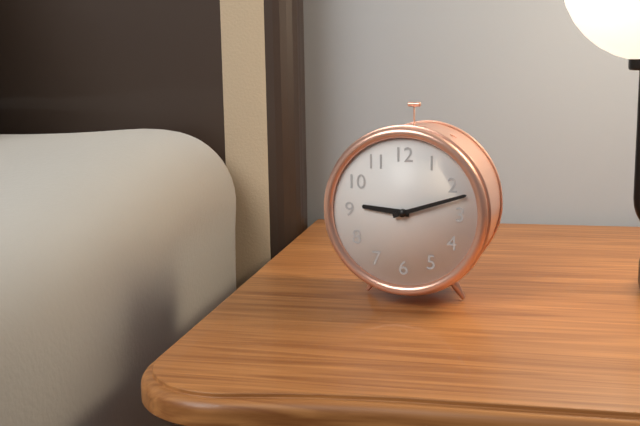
9:12
